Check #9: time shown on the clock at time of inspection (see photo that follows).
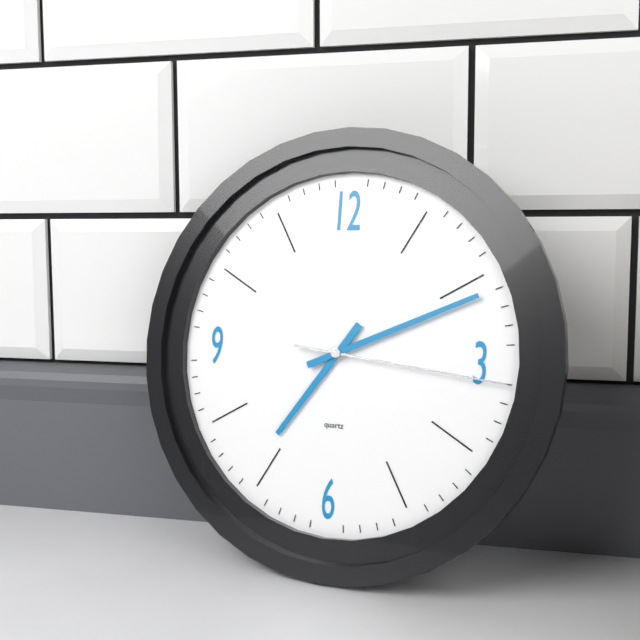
7:11:16
